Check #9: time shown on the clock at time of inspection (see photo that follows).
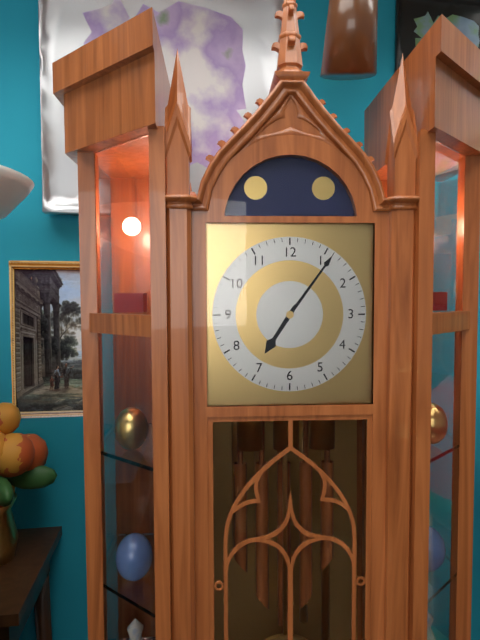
7:06
